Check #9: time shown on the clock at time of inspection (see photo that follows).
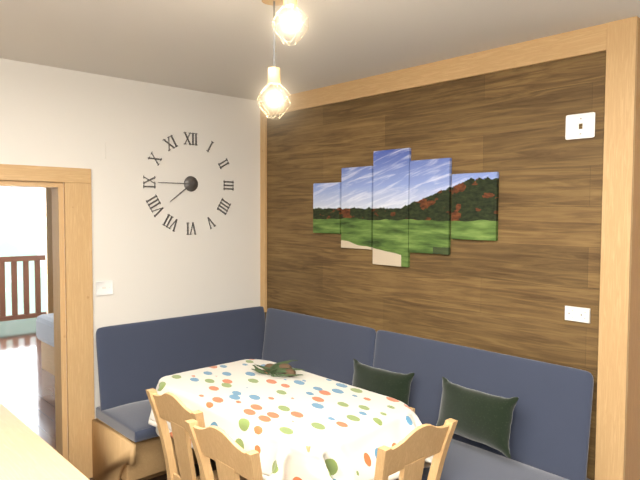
7:45
